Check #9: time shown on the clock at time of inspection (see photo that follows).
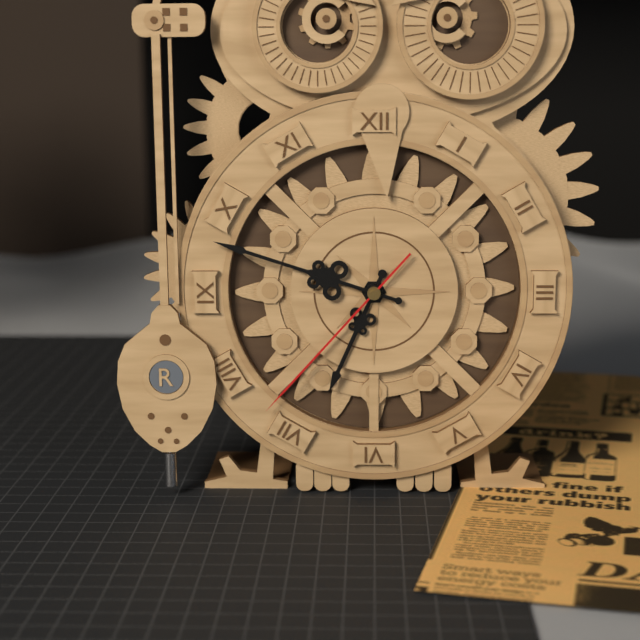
6:48:37
